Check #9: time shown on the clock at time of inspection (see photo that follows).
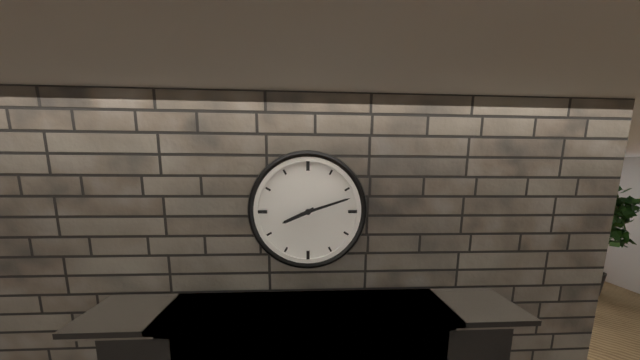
8:12
